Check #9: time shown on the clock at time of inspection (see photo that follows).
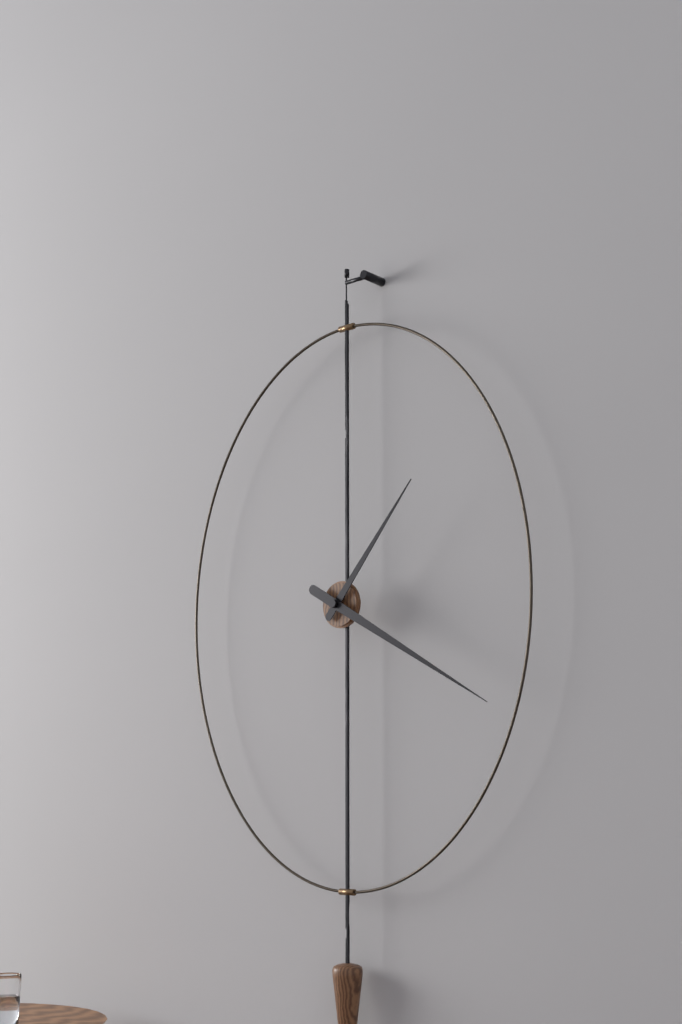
1:20
